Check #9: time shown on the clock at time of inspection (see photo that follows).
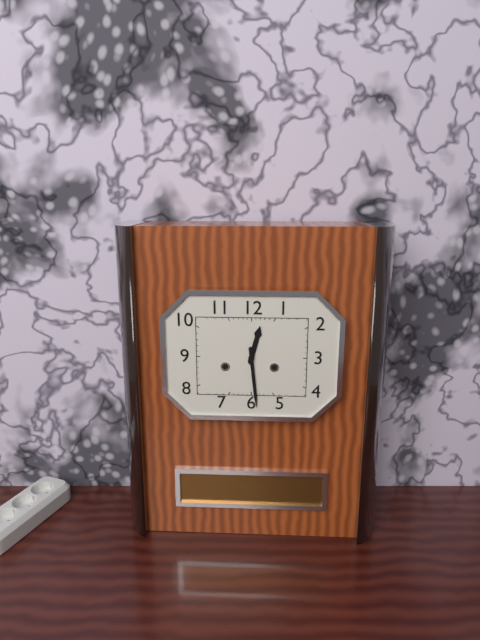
12:29
